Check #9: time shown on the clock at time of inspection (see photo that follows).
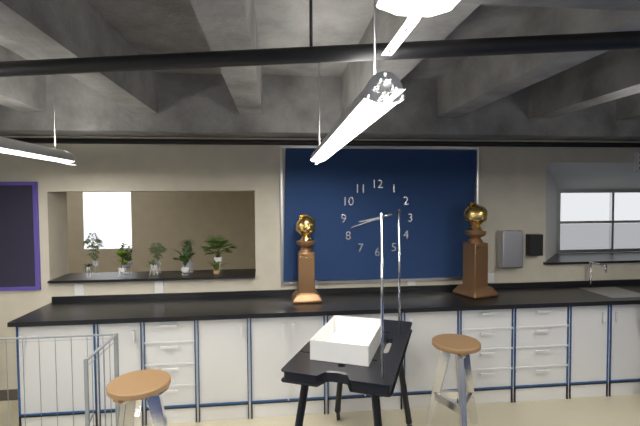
8:42
